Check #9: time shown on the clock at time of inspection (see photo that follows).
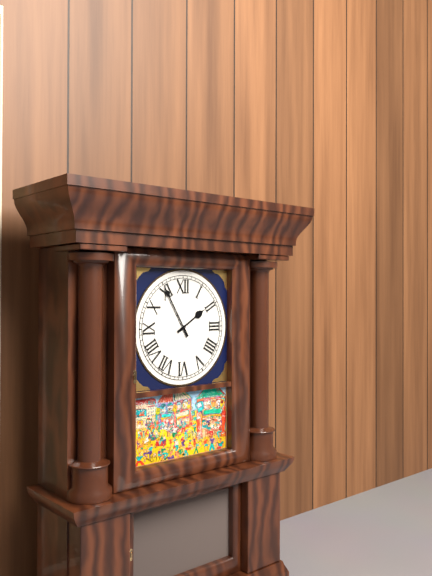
1:55
